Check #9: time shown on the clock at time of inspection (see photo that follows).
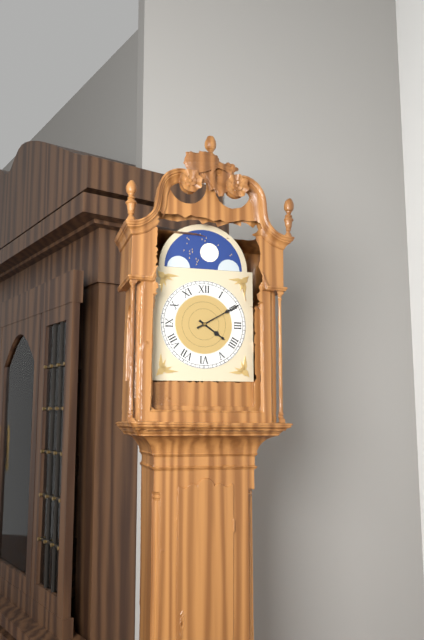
4:10
